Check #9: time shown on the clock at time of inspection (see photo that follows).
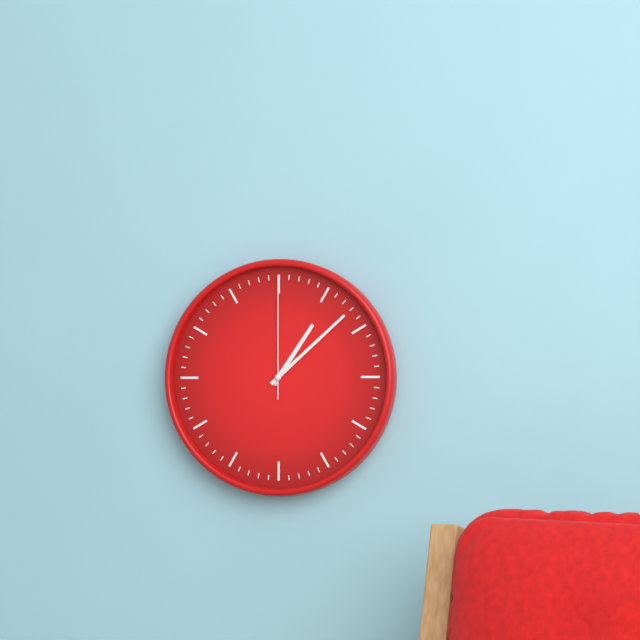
1:08:00
